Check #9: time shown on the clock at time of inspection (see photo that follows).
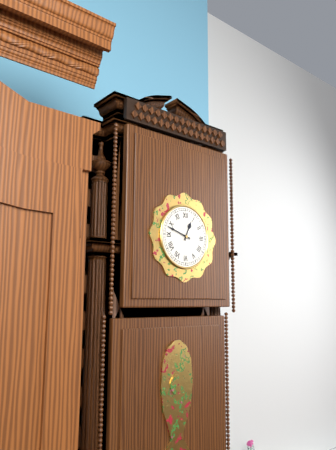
12:48
